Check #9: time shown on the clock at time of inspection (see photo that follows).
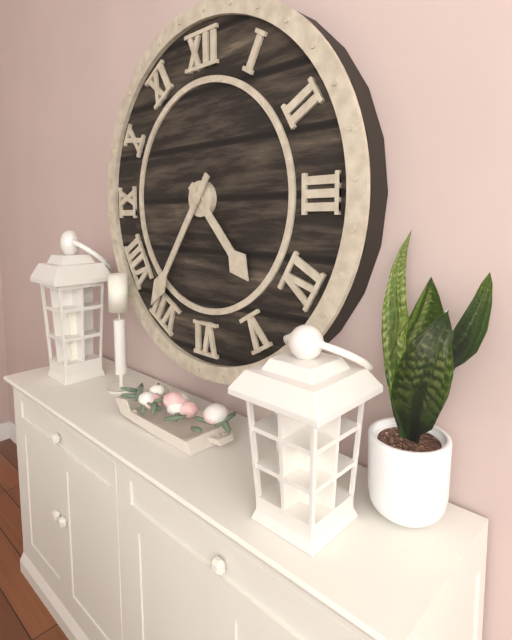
4:36
